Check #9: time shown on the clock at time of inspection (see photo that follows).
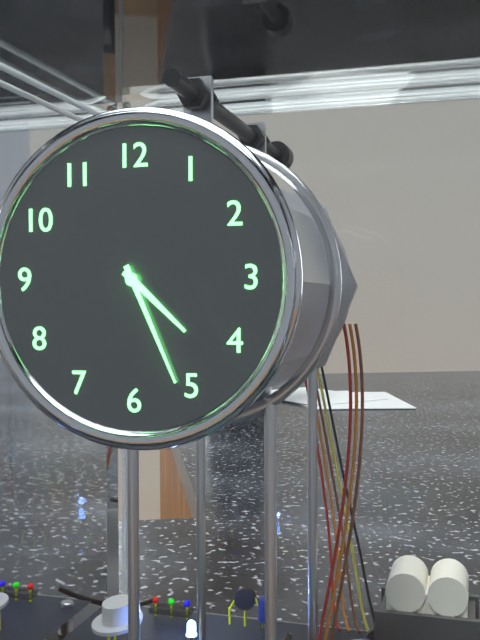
4:26
